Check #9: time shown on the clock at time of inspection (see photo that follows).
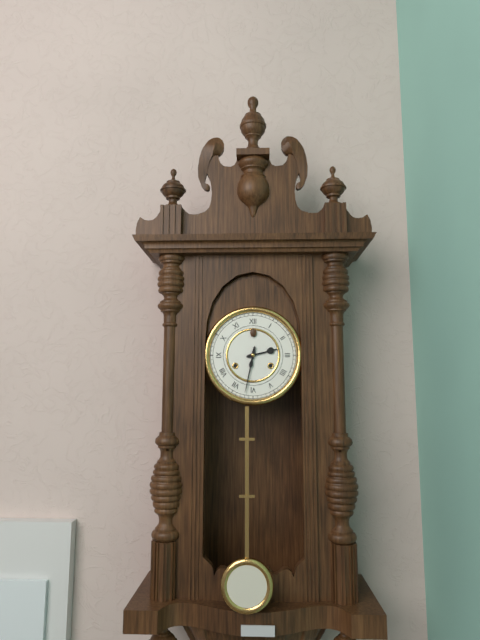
2:32
